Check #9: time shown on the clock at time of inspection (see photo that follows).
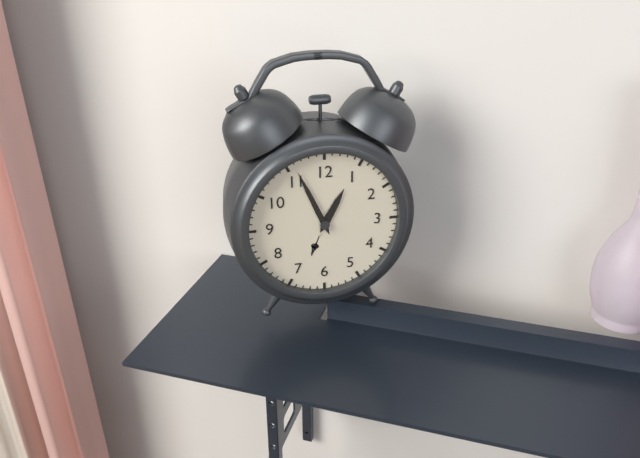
12:56
